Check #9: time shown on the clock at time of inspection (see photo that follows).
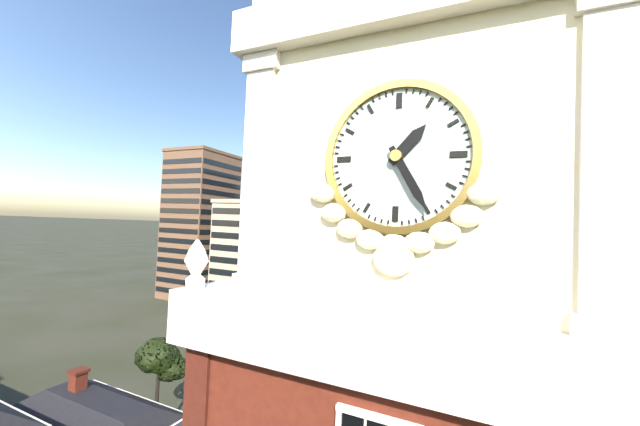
1:25
